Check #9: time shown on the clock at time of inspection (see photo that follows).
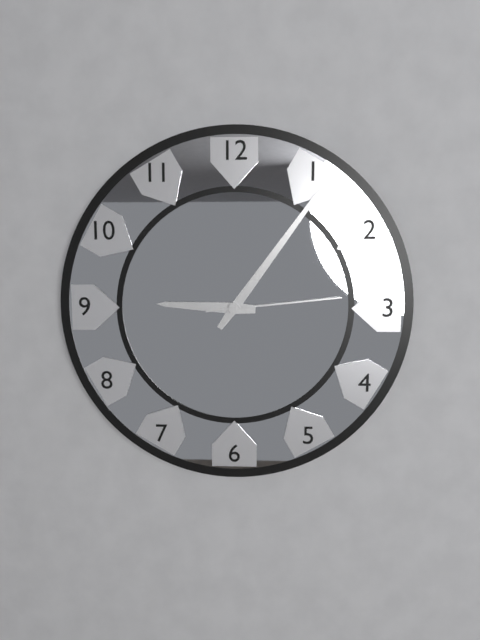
9:06:14
